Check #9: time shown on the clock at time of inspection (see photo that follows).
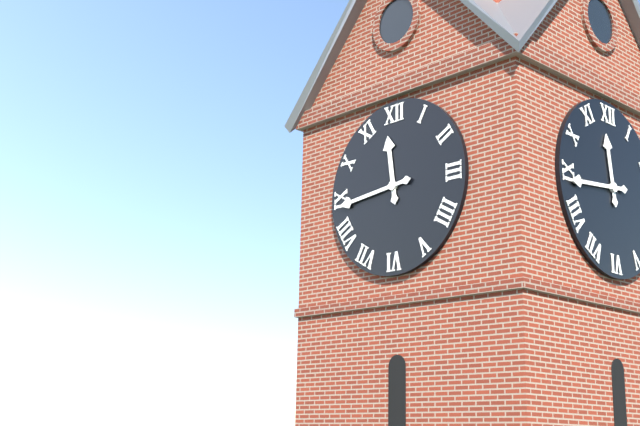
11:44
